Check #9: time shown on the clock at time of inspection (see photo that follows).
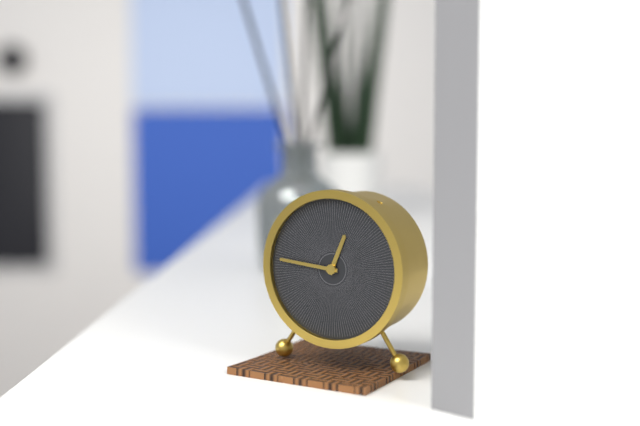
12:46
